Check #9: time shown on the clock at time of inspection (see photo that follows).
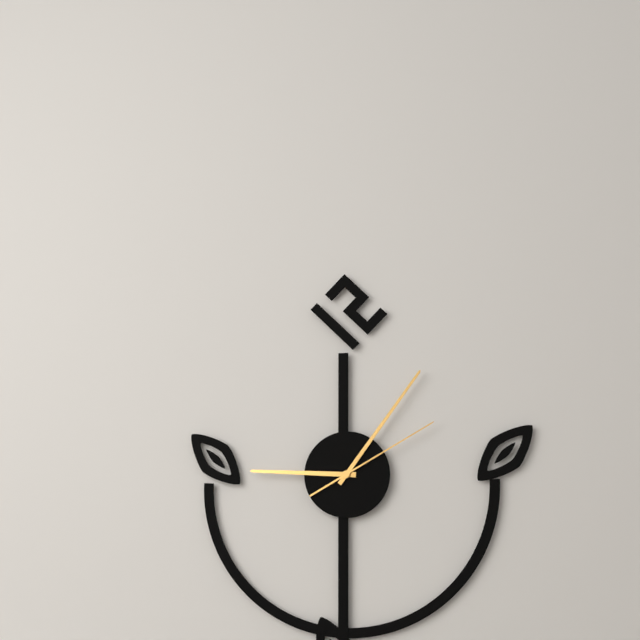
9:06:10
